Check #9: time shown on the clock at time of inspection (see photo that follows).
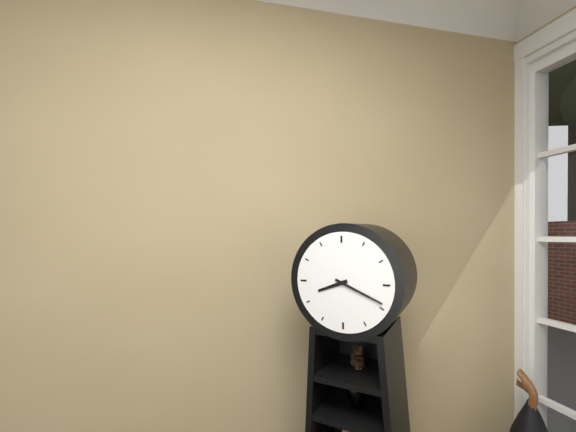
8:19
